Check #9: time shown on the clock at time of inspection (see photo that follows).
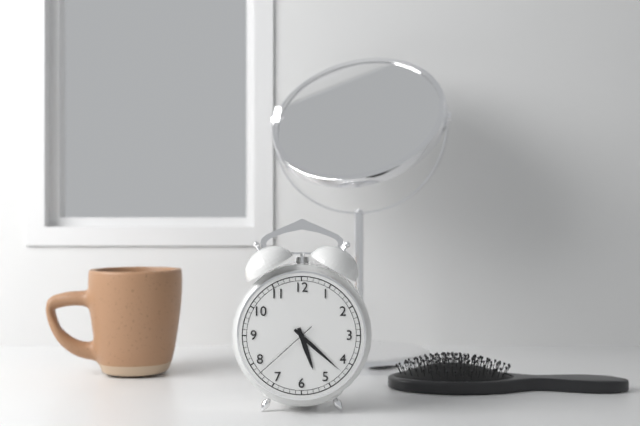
5:22:38
